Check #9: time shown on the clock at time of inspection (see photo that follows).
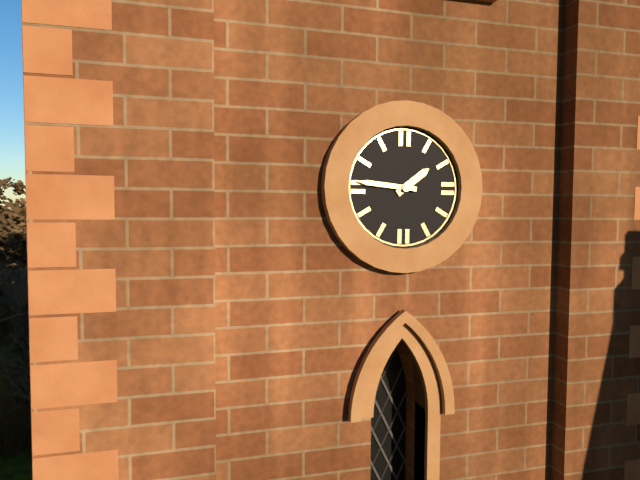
1:46
